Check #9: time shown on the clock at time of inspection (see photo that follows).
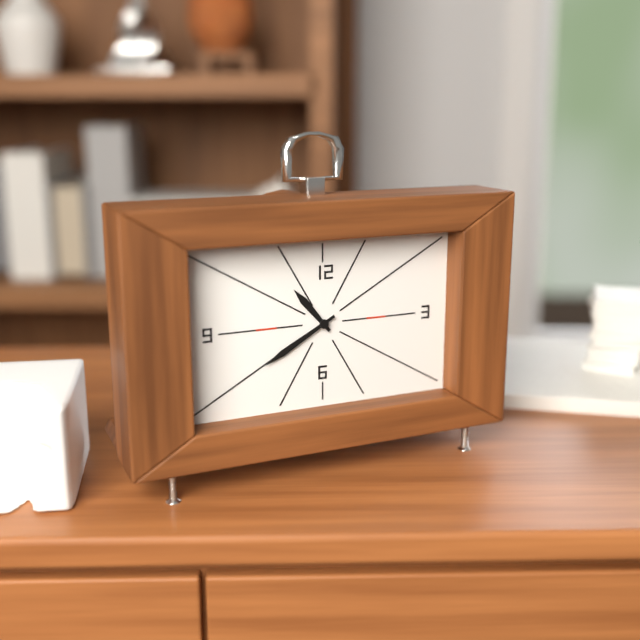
10:40
